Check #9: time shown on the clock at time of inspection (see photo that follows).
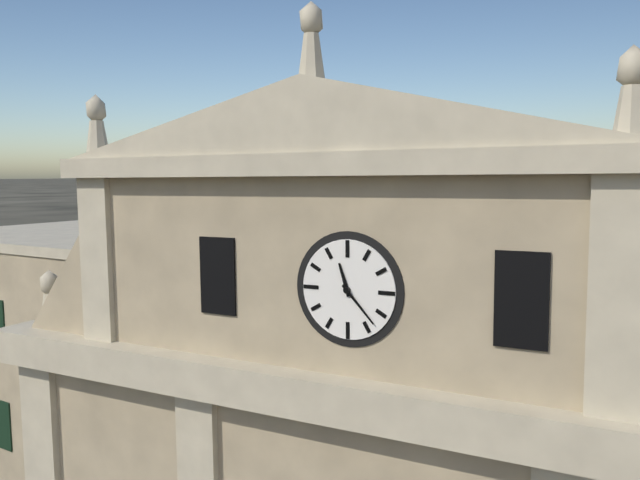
11:23
